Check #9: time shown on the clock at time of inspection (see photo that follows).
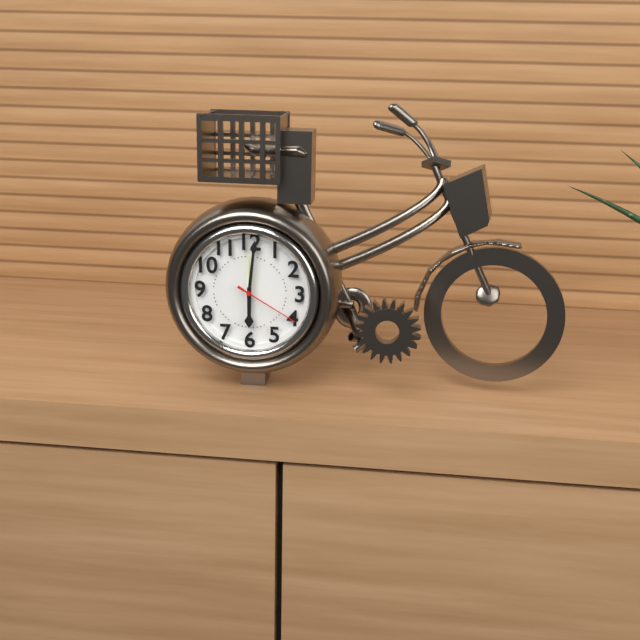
6:01:20
